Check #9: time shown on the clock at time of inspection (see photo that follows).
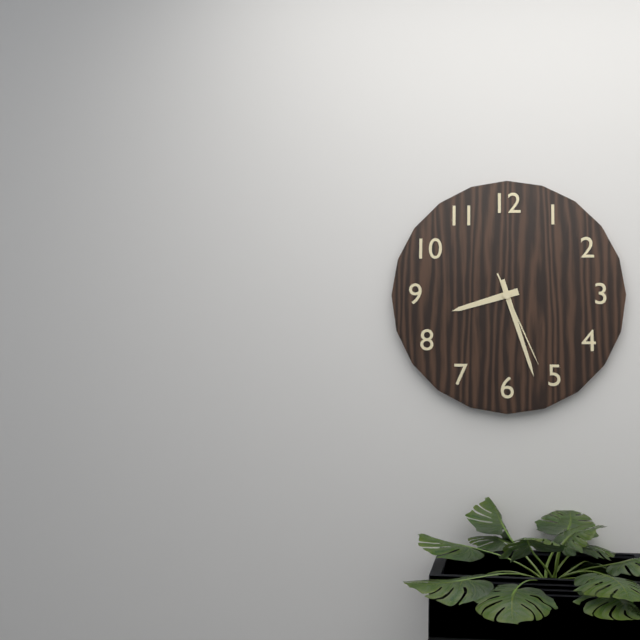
8:27:26
